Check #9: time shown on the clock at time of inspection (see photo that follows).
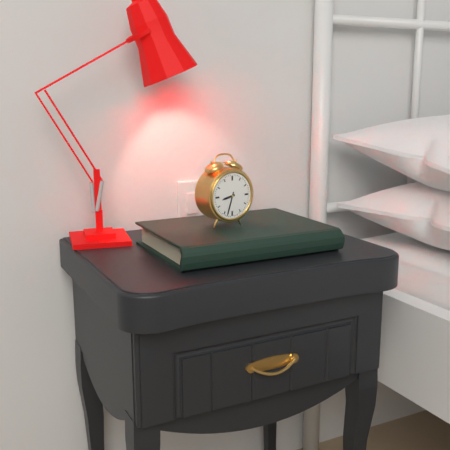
8:33
